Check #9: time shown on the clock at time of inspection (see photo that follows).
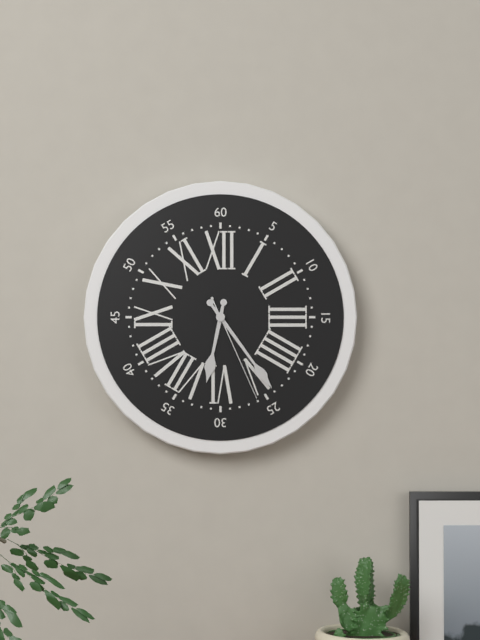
6:24:26
